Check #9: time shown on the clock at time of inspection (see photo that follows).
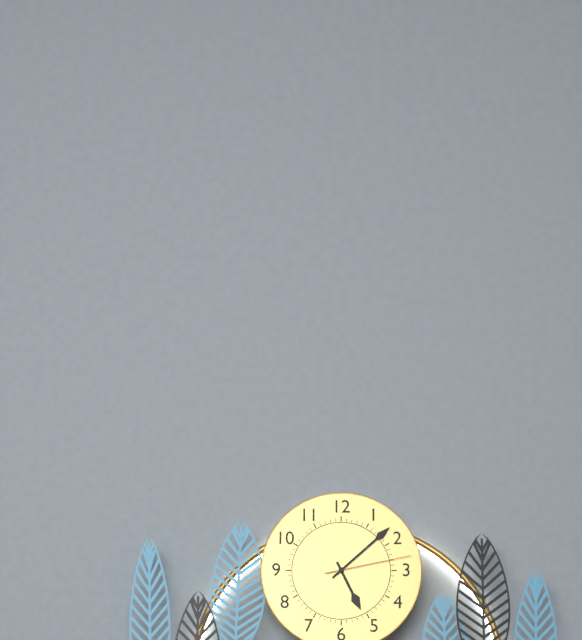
5:08:13
